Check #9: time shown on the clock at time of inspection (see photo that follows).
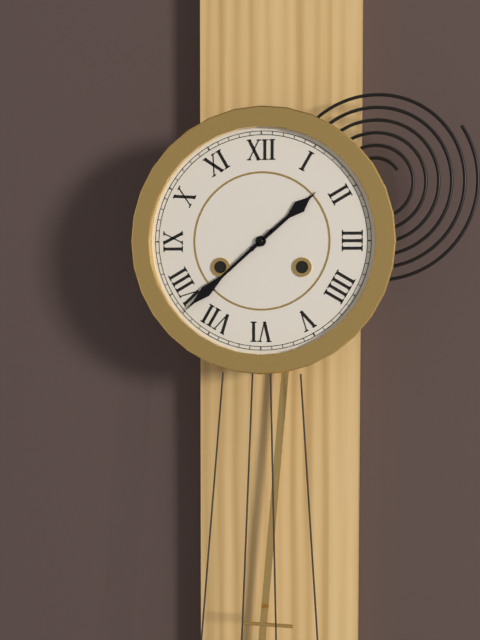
1:38
